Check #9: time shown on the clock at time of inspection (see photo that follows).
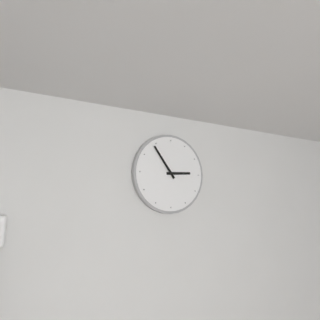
2:54
